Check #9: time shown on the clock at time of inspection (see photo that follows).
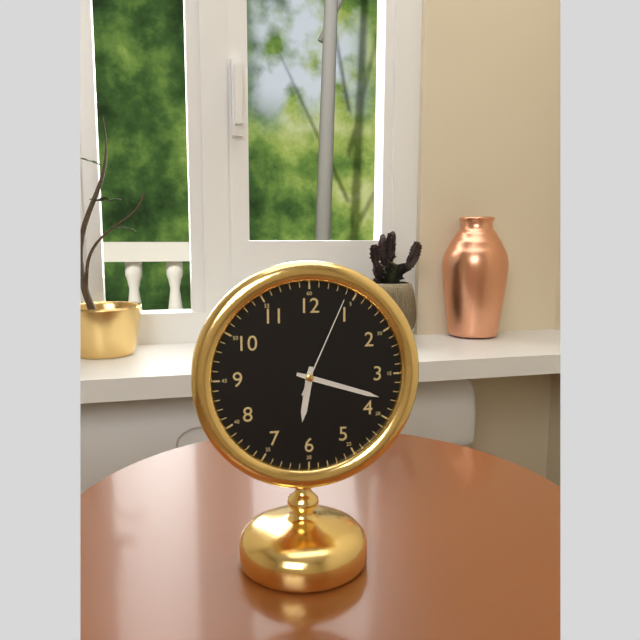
6:18:04
